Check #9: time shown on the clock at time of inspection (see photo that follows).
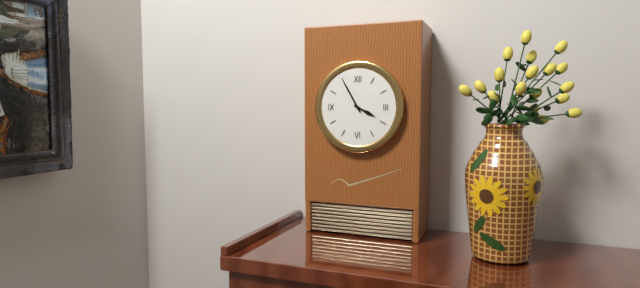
3:55
